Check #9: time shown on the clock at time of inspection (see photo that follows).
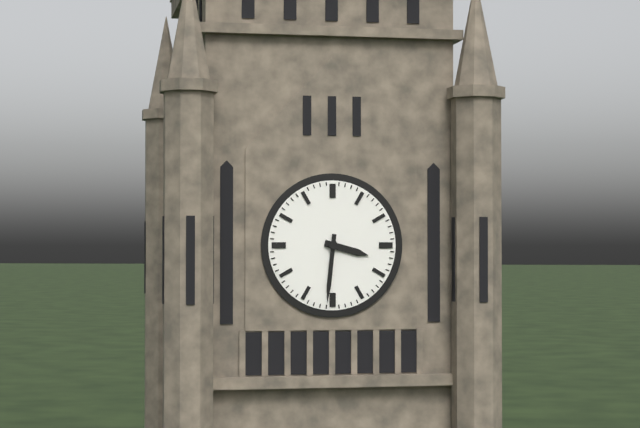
3:31
